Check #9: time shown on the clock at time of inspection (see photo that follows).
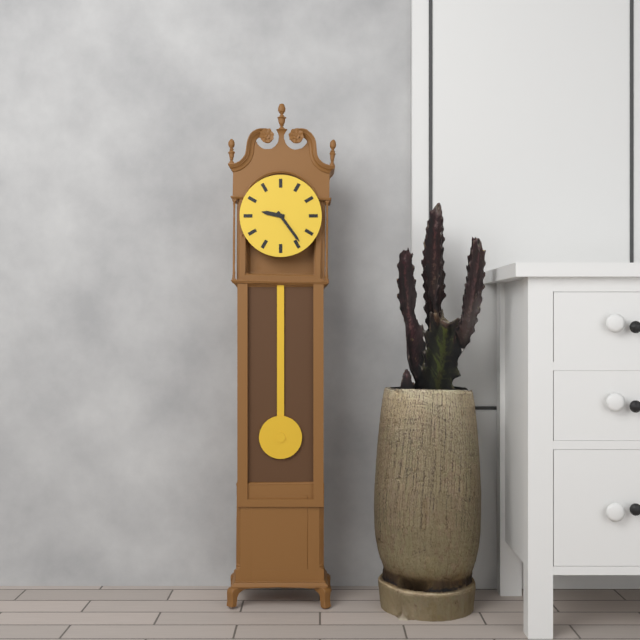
9:24
